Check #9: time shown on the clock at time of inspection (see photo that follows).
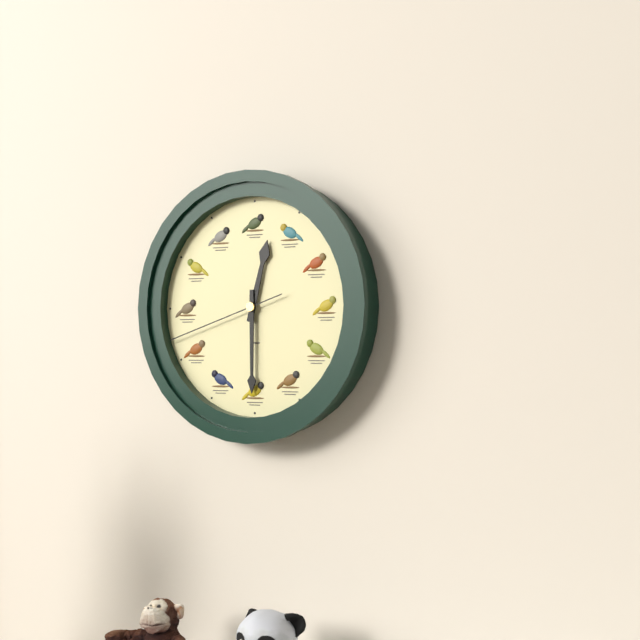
12:30:42
